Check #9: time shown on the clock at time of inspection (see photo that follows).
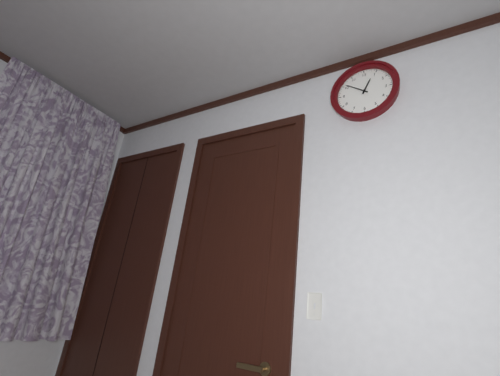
12:51
